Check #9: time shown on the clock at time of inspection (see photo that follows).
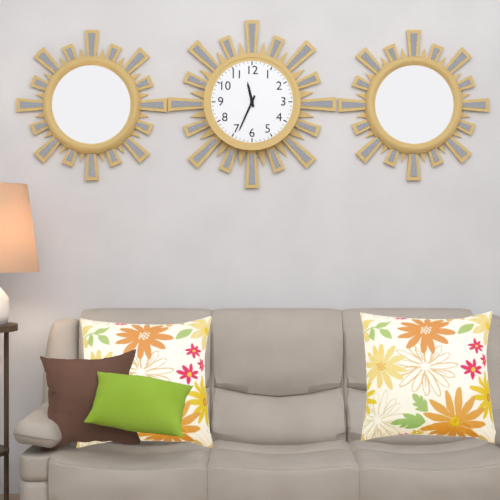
11:34
